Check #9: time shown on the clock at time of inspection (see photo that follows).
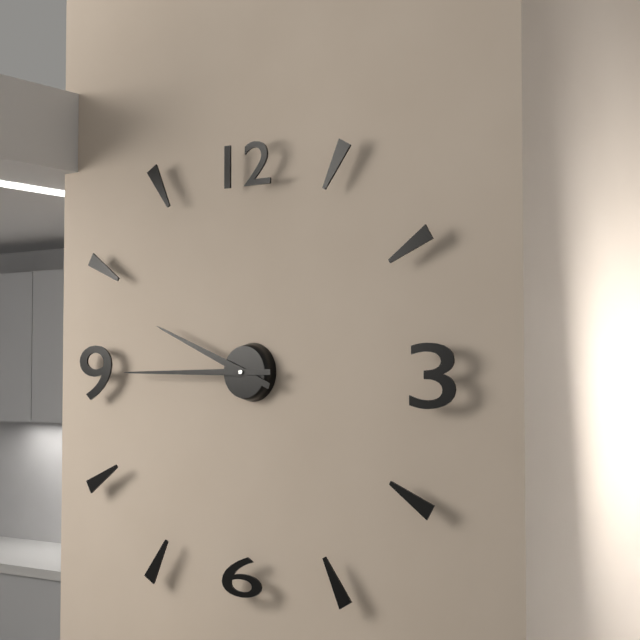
9:45
